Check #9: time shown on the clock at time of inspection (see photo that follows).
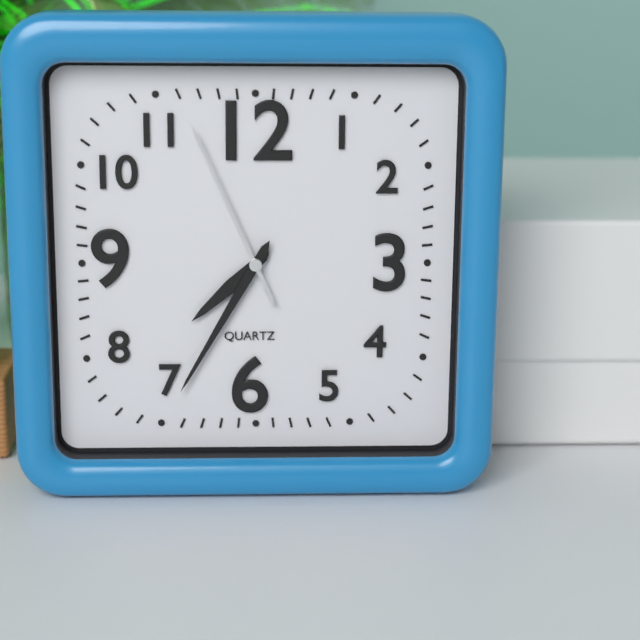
7:35:56
